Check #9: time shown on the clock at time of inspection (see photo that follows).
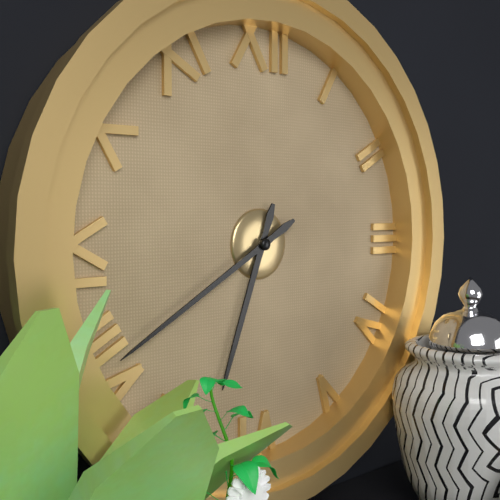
6:40
